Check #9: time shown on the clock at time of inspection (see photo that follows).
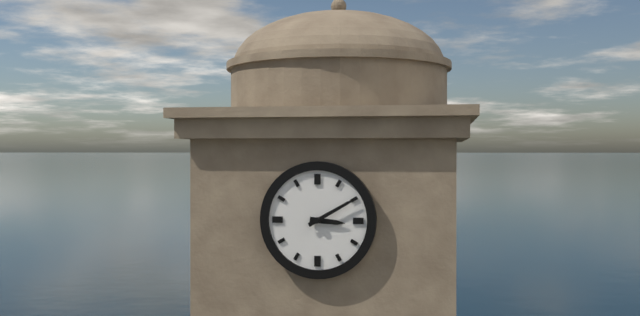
3:10
